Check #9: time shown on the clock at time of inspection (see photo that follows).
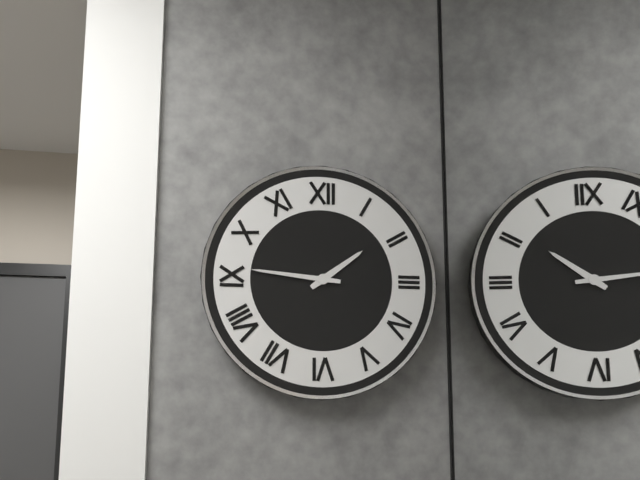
1:46
